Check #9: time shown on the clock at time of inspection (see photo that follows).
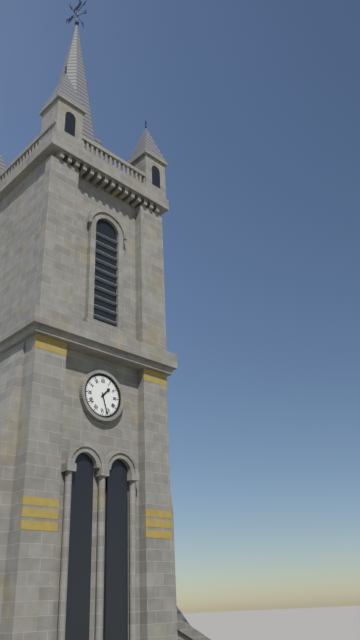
1:27
